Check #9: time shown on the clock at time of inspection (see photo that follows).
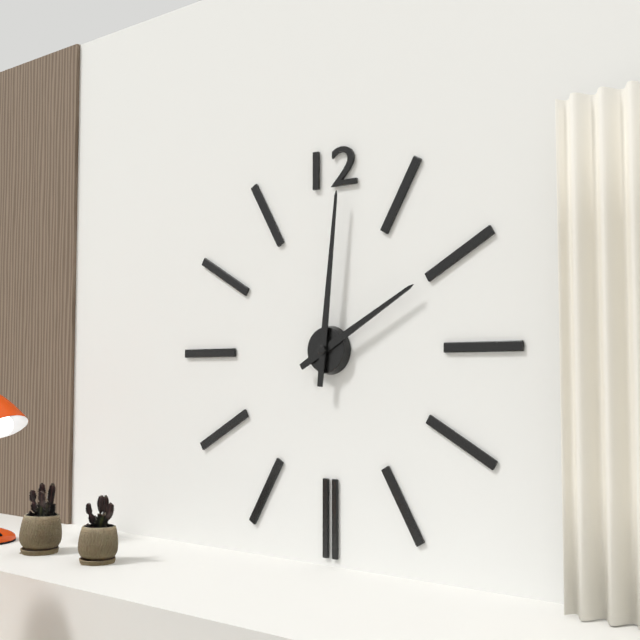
2:01
